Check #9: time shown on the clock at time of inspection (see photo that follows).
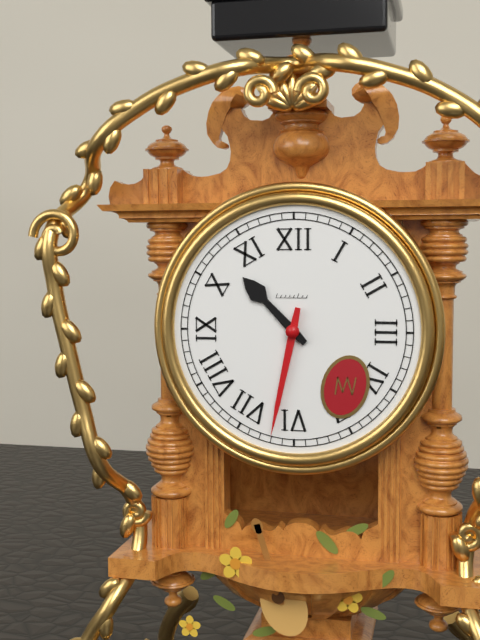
10:32
